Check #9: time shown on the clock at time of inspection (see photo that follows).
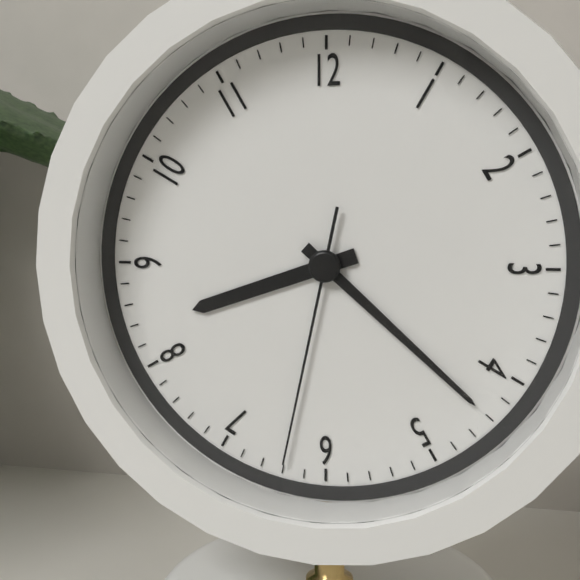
8:22:32
